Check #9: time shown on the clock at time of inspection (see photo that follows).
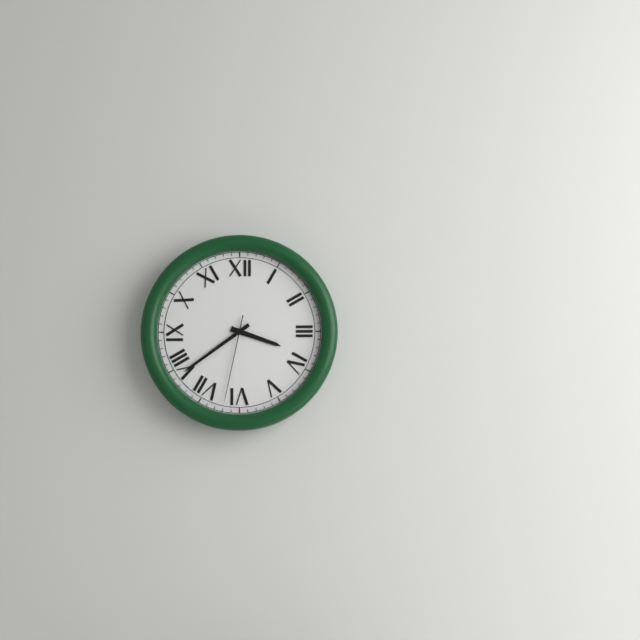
3:39:32
